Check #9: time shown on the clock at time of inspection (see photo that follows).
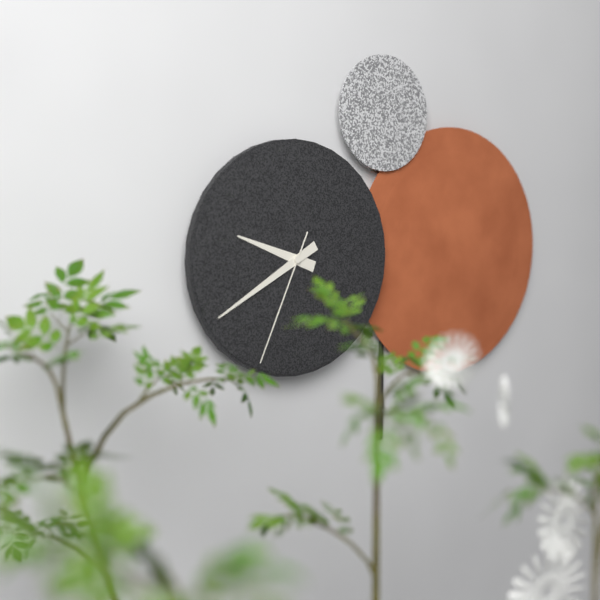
9:40:34
